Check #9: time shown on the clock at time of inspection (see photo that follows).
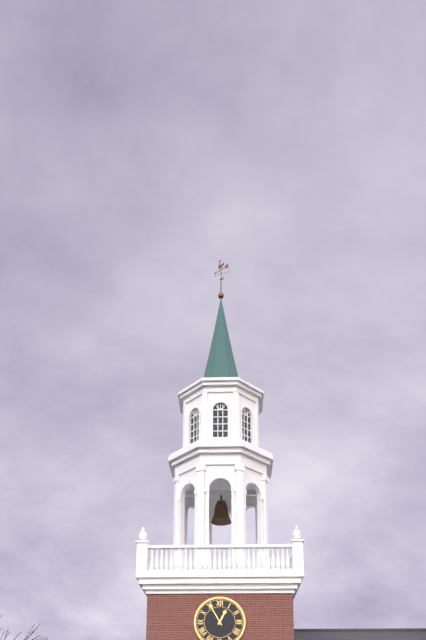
12:55
